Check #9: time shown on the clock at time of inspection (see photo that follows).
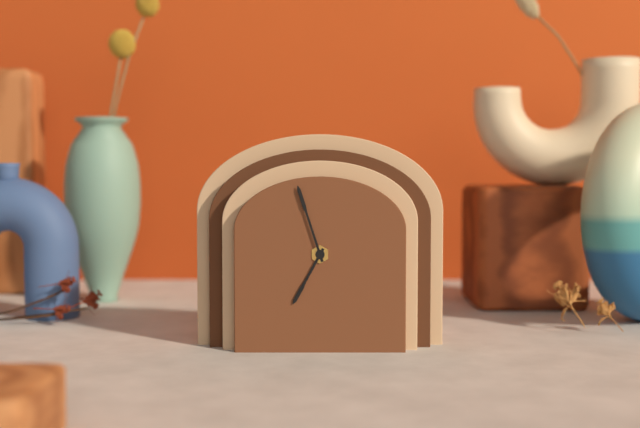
6:57
